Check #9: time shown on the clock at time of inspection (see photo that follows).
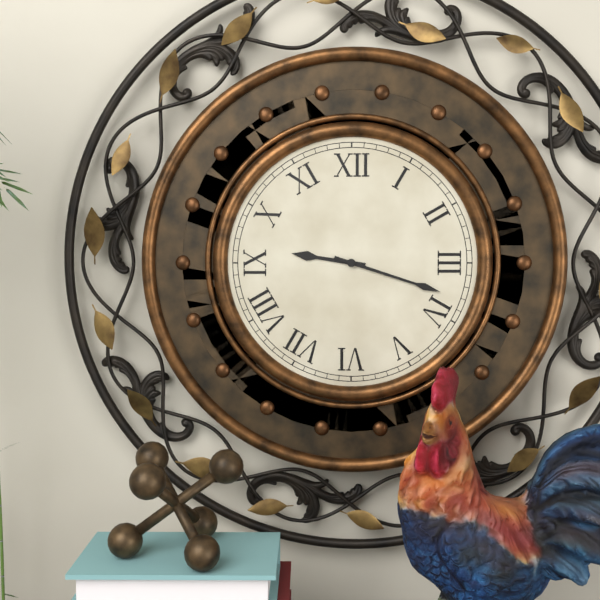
9:18
